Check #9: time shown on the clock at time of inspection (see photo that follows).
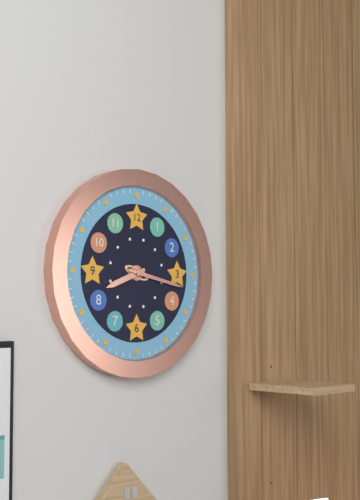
8:17
